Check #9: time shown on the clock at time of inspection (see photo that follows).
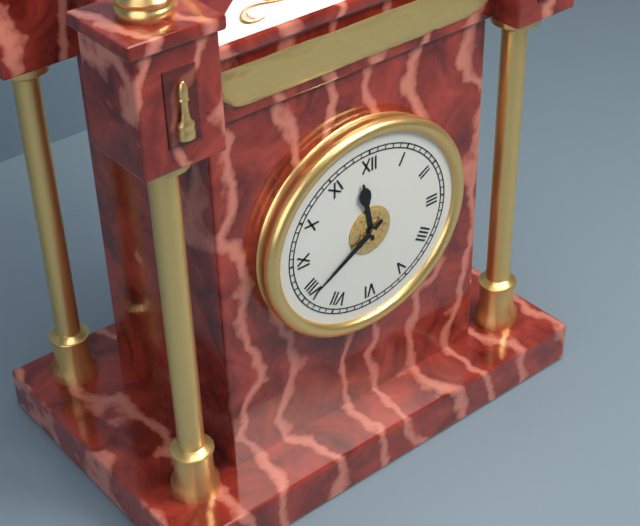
11:40
